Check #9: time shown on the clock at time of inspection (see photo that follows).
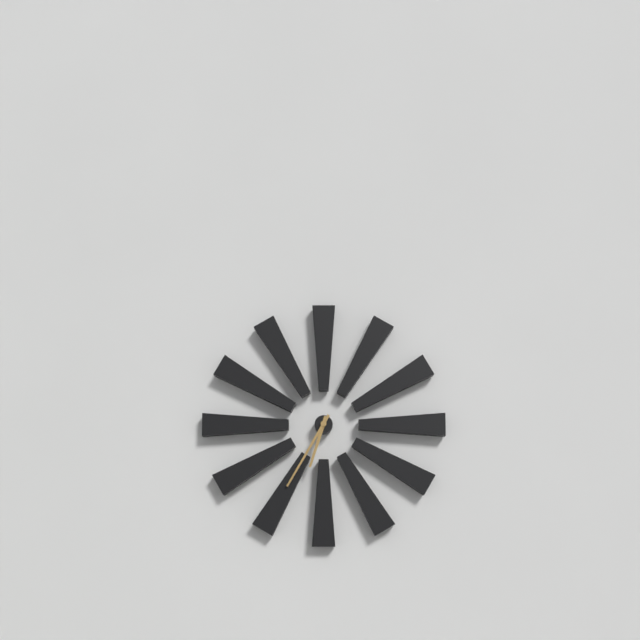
6:35
